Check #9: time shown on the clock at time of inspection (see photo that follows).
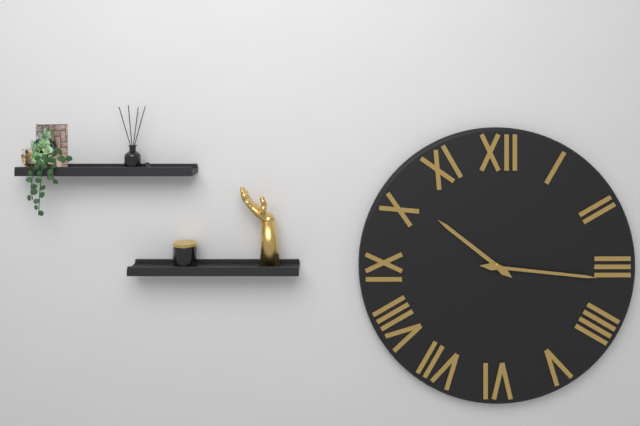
10:16
